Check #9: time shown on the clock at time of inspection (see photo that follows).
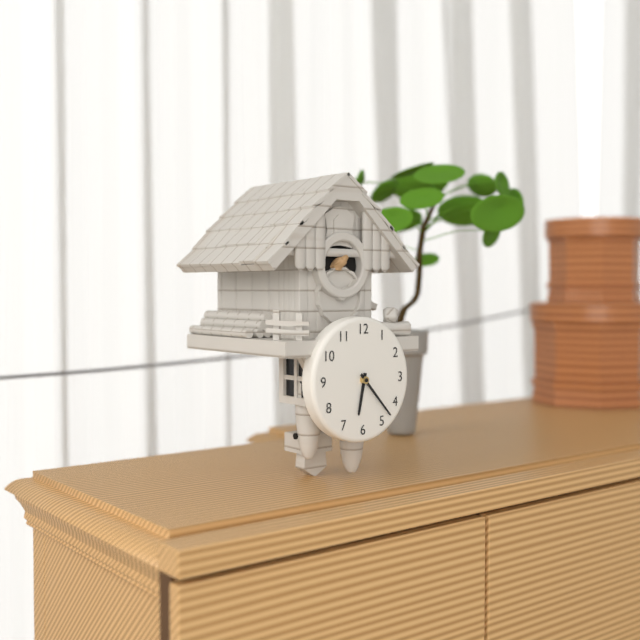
6:23
